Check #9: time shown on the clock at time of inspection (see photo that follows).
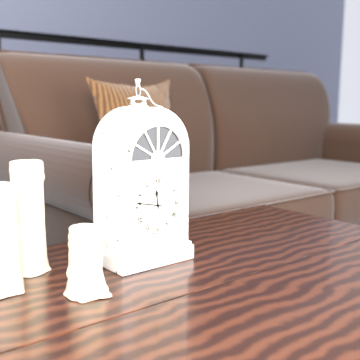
11:47
